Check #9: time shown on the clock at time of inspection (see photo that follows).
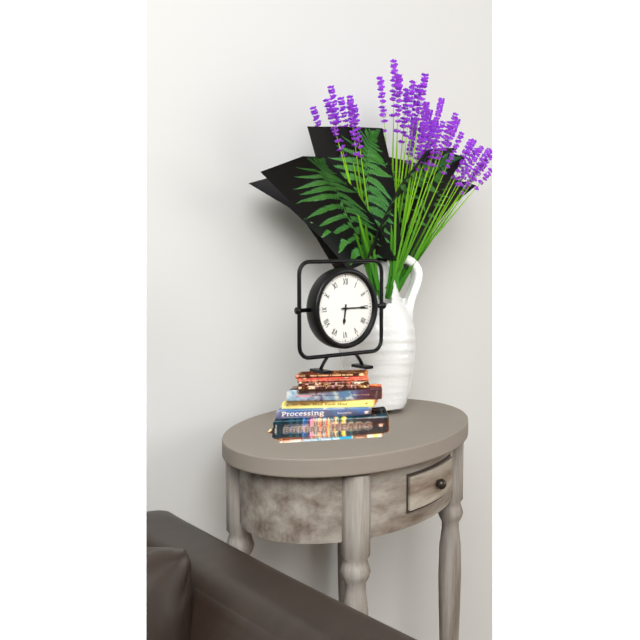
6:15
